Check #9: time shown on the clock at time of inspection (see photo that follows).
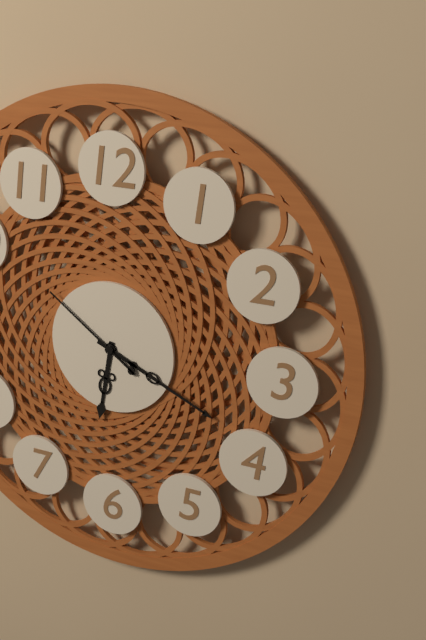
6:19:51
